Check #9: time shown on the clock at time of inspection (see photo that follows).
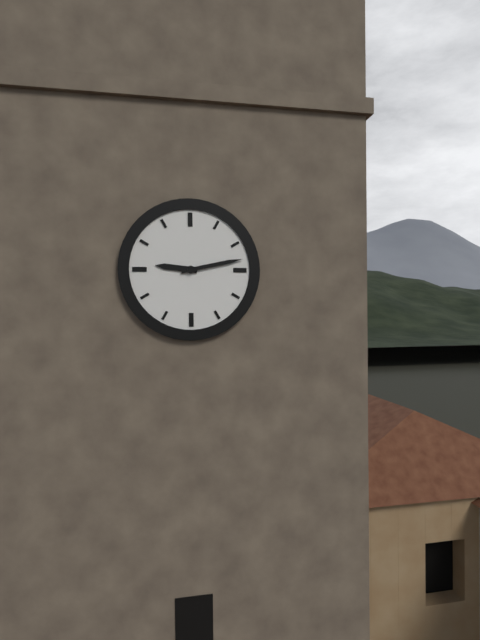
9:13
